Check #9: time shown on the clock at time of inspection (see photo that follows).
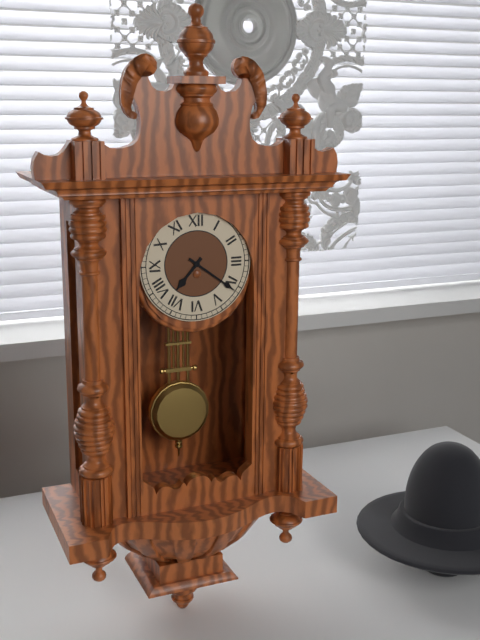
7:21
